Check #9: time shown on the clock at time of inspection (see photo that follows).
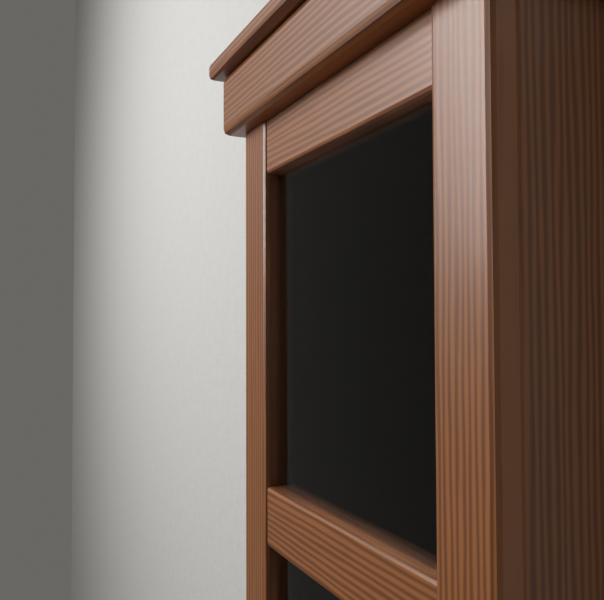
12:53
